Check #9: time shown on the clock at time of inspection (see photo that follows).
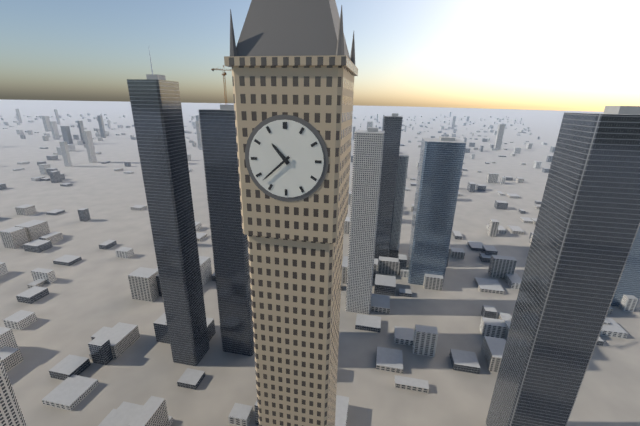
10:38
